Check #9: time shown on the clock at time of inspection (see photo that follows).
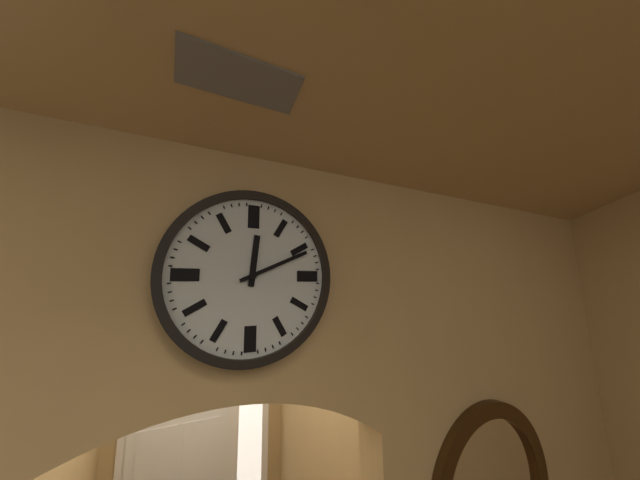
12:11
